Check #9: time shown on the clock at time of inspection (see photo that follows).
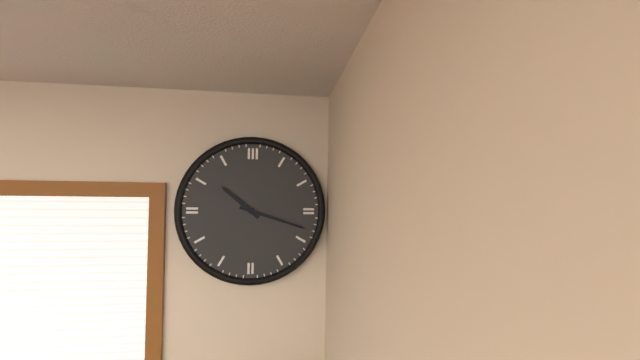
10:18
